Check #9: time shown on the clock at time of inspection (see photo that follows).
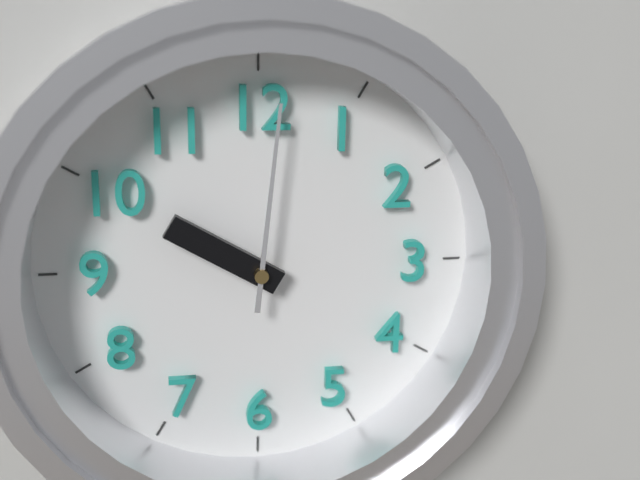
10:01
